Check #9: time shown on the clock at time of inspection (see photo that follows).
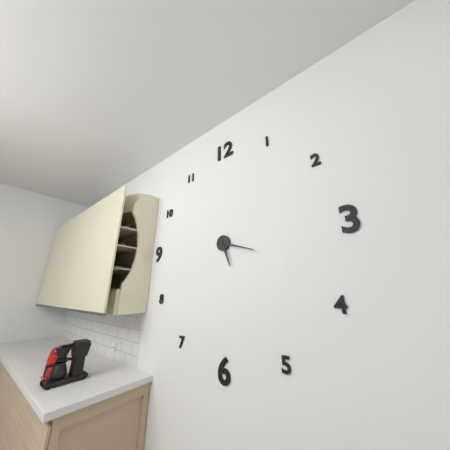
5:18
